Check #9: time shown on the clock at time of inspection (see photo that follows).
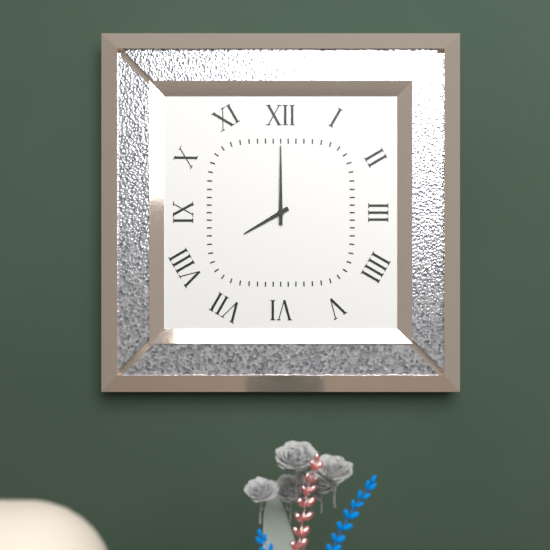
8:00
